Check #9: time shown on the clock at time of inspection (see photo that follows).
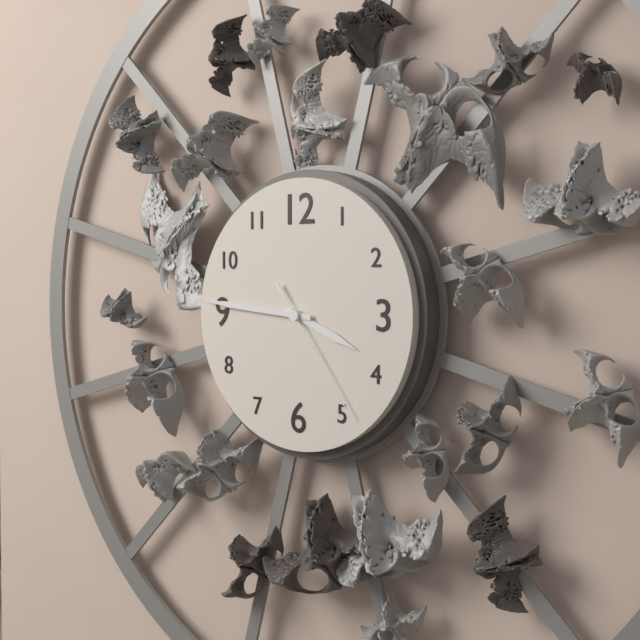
3:46:24
